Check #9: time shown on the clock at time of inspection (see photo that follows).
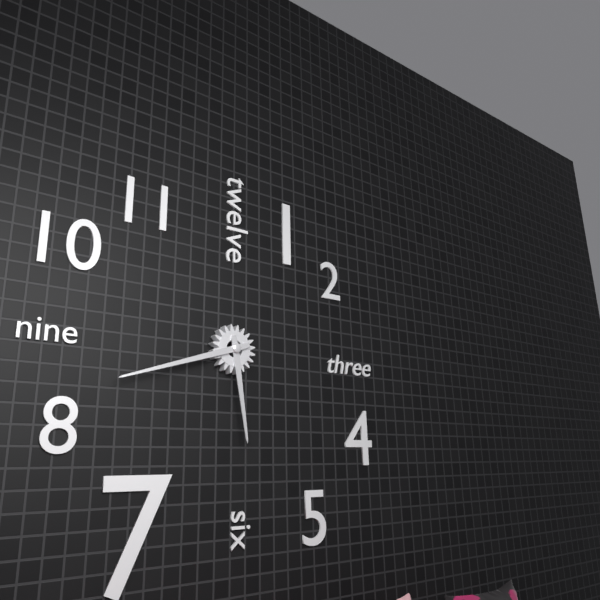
5:42
